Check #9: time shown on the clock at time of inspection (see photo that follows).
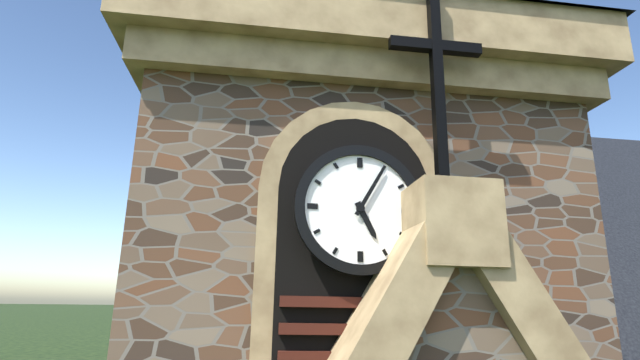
5:05
